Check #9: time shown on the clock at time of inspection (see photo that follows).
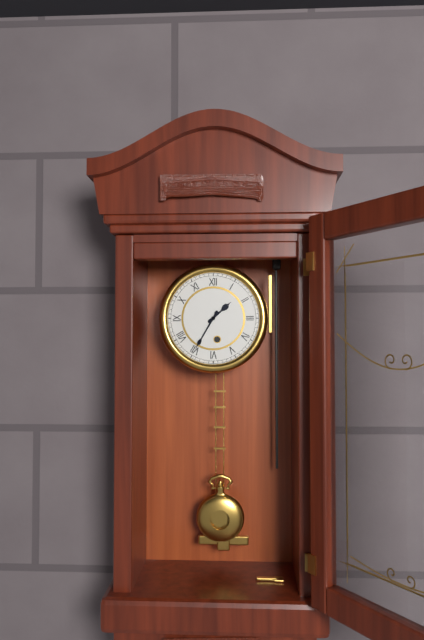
1:35
